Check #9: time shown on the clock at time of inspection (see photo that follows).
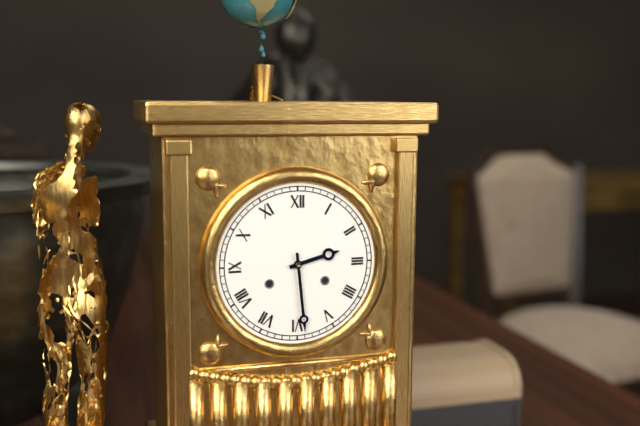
2:29
